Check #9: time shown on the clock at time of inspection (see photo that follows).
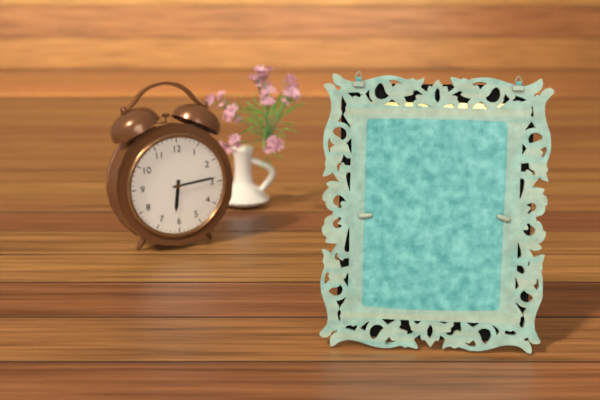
6:14
